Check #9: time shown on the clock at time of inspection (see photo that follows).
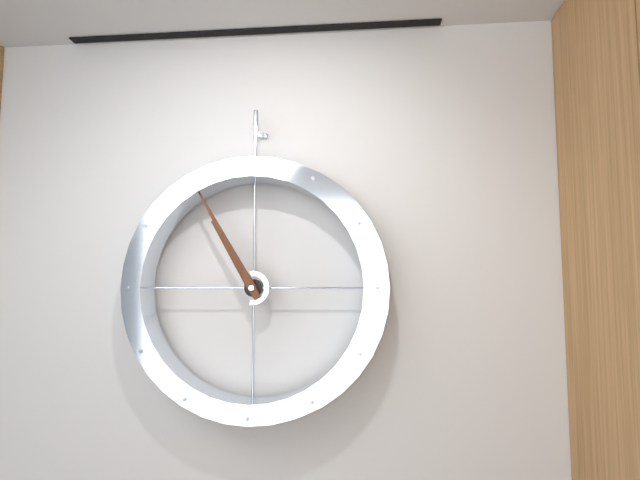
10:55
